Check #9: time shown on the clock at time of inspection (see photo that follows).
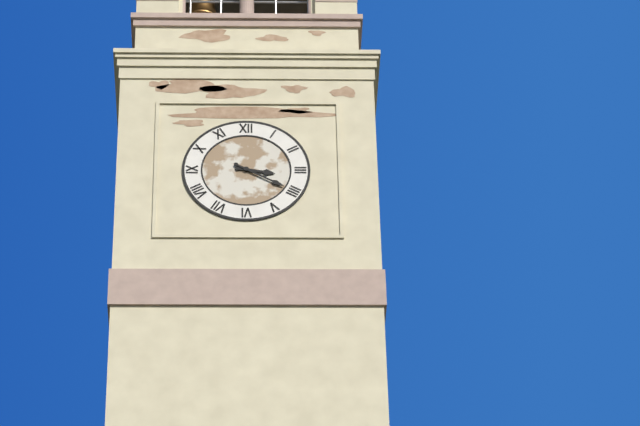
3:20
